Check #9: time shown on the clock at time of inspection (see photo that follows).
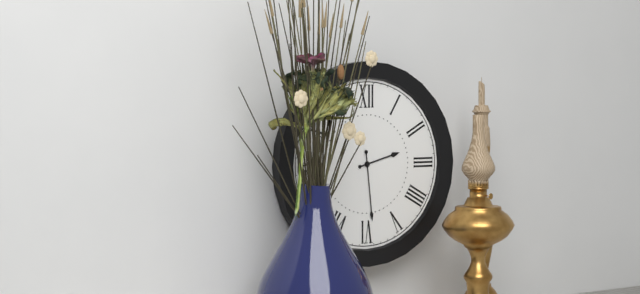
2:29
